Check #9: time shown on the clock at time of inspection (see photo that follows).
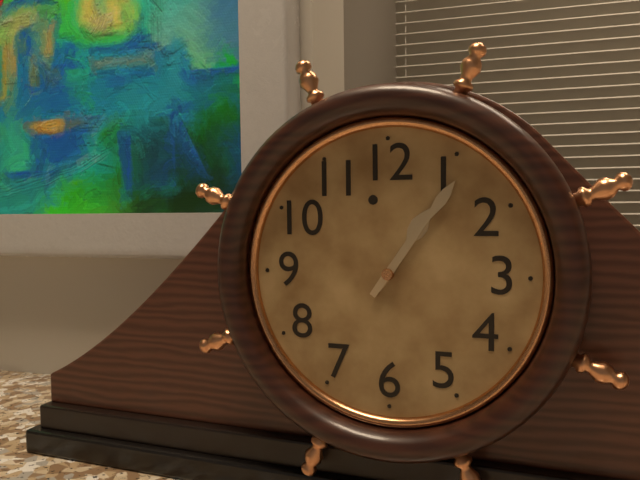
1:06
